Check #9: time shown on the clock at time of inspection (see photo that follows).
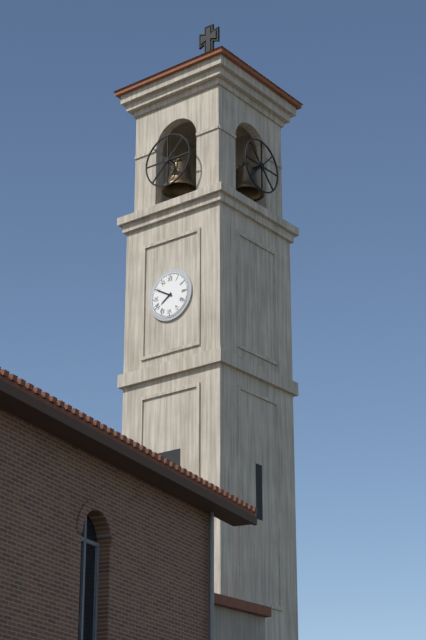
7:50
